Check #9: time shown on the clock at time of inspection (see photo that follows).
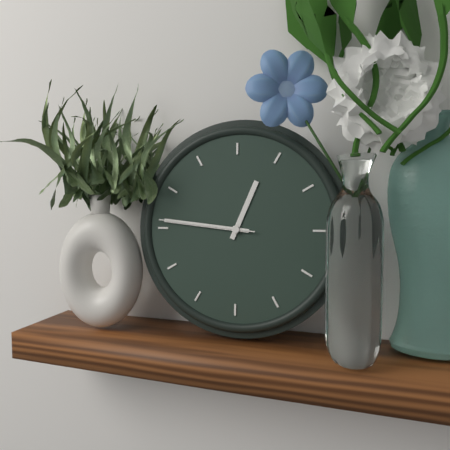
12:46:46
